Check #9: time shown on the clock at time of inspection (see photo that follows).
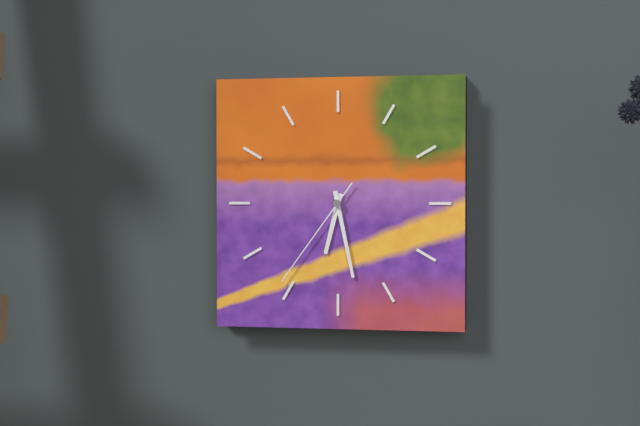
6:28:36
